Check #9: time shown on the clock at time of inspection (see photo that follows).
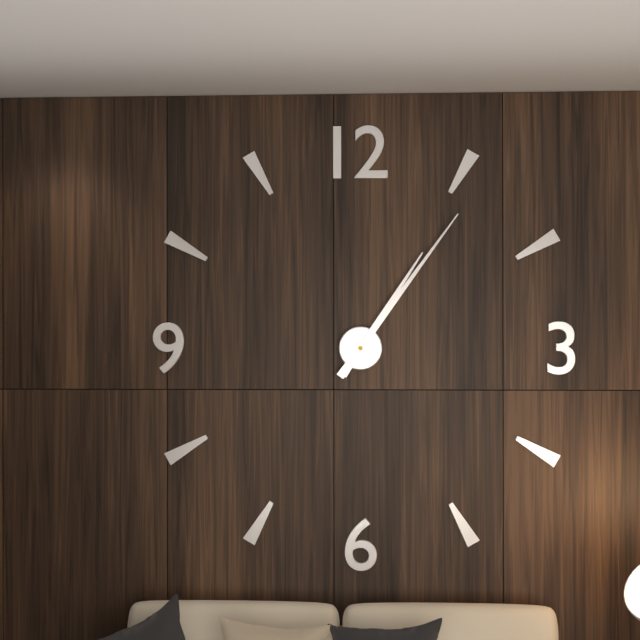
1:06
